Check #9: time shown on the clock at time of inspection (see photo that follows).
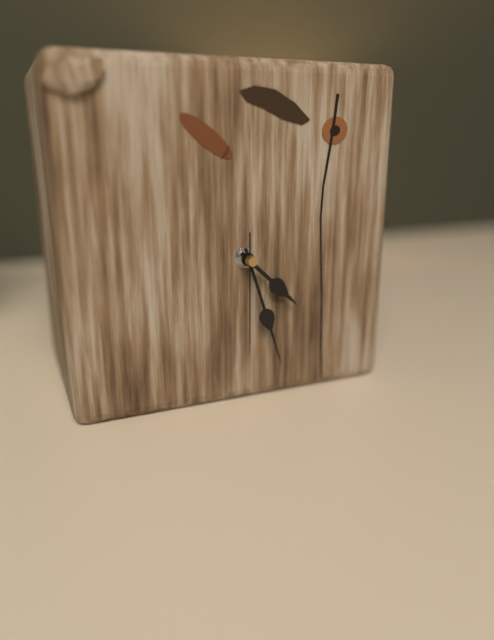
4:27:30
